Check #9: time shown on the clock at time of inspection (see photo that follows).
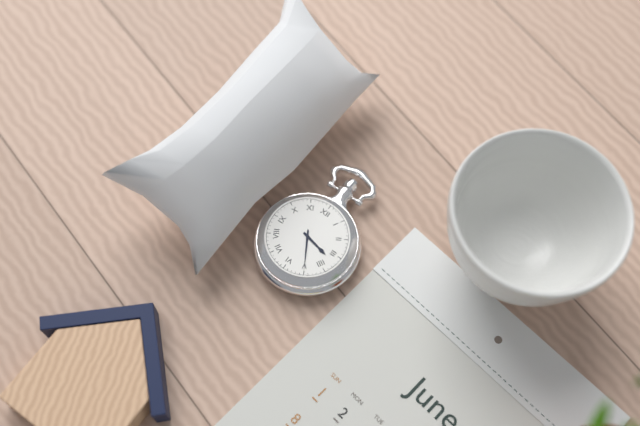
3:25
